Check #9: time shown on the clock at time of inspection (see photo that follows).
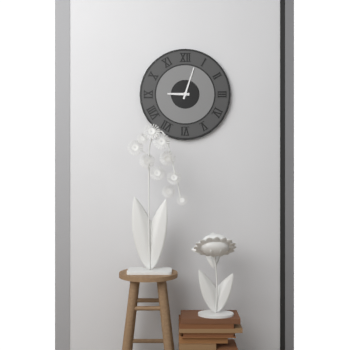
9:03
